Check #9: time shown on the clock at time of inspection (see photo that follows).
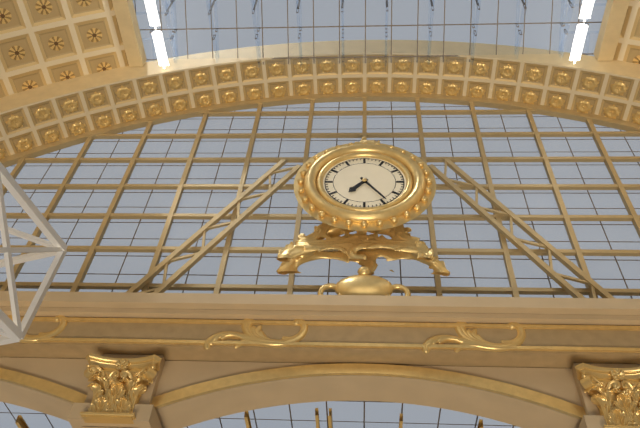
7:24
